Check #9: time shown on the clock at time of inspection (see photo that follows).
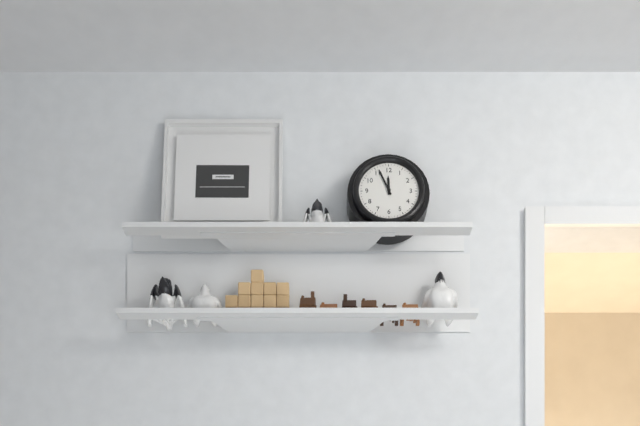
11:56
